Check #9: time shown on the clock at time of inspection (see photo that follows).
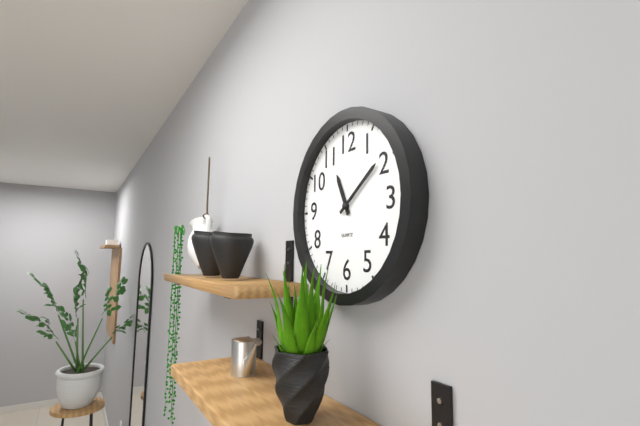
11:09
